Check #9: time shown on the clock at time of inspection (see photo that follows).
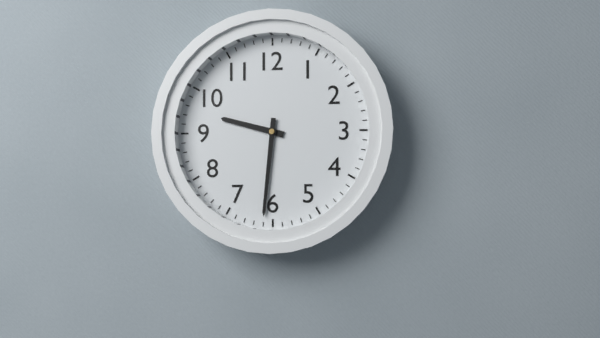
9:31
